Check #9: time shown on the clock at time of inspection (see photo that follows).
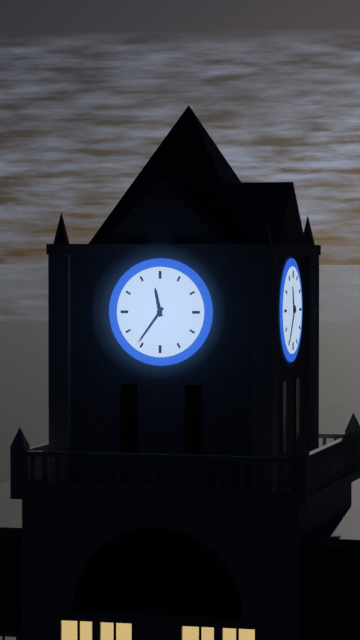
11:36
